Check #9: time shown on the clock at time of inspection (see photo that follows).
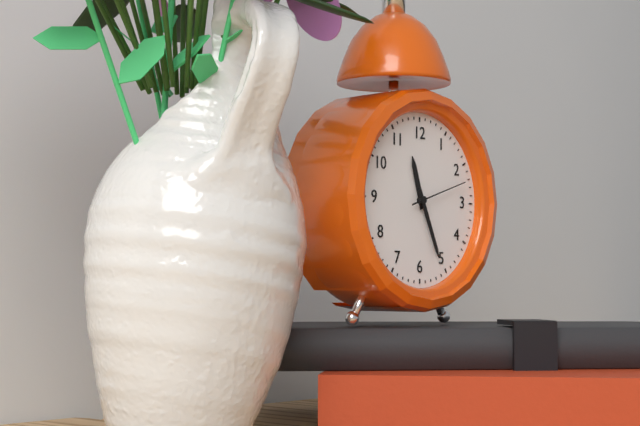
11:26:12
